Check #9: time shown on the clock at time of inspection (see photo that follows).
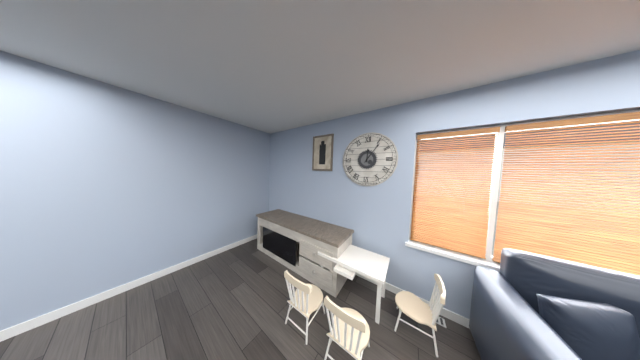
12:06
